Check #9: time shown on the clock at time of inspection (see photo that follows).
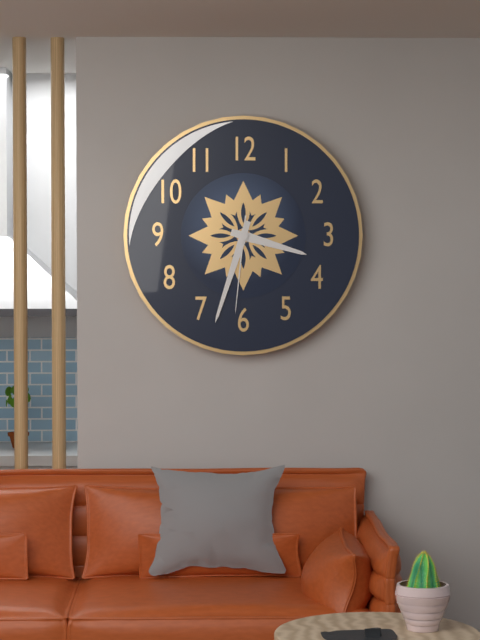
3:33:31
